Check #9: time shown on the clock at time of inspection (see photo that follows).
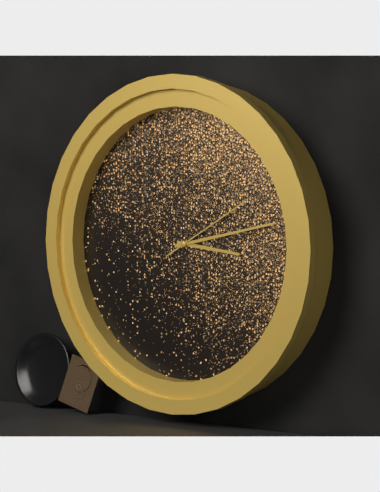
3:13:10
